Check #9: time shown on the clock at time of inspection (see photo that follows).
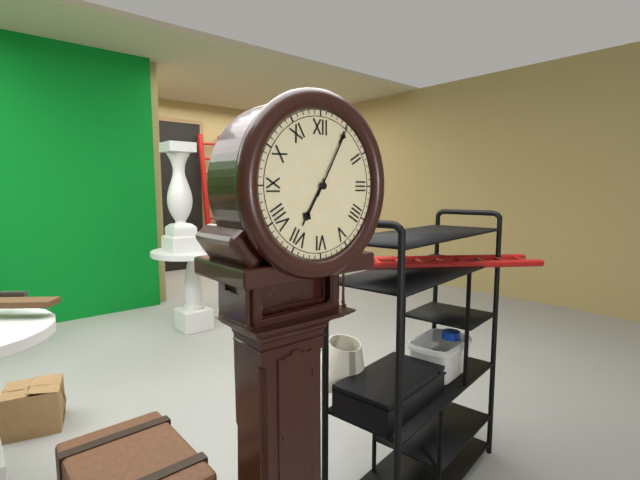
7:05
